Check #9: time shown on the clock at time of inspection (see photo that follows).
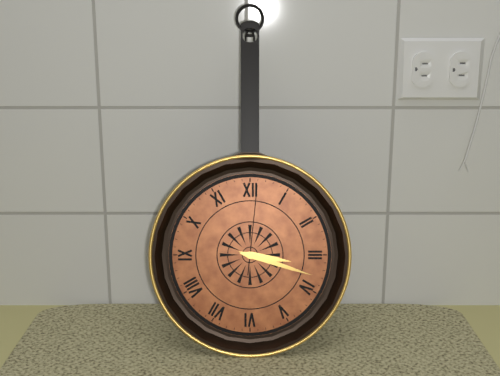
3:18:01
